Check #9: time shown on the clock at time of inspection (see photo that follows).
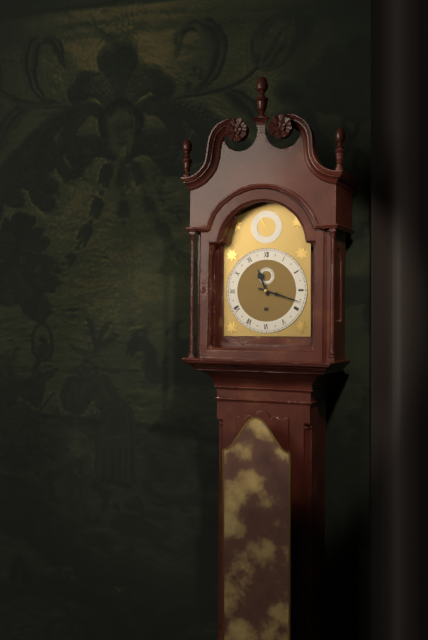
11:18
